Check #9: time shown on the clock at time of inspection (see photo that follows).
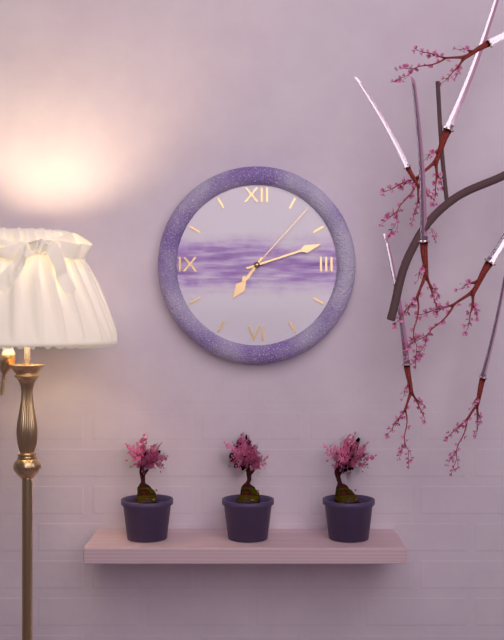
7:12:07
